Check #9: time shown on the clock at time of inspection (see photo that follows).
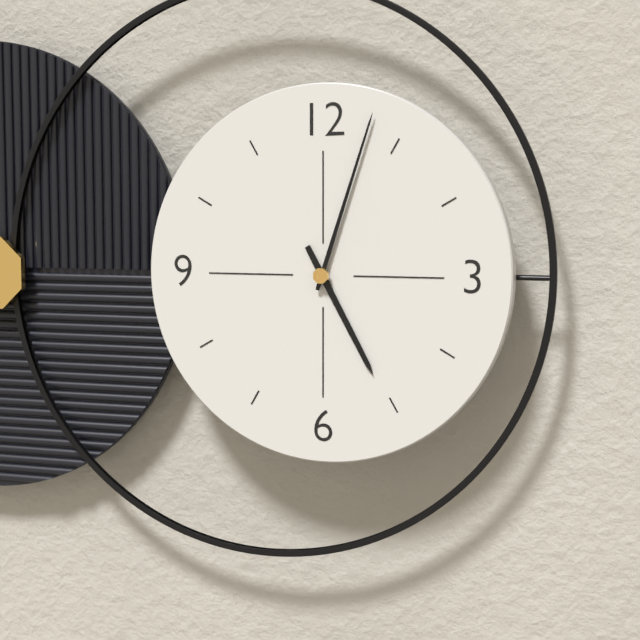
5:03
